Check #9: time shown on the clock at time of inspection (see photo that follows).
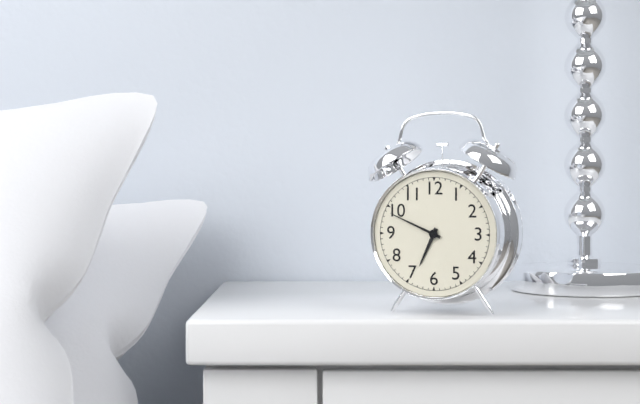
6:49
